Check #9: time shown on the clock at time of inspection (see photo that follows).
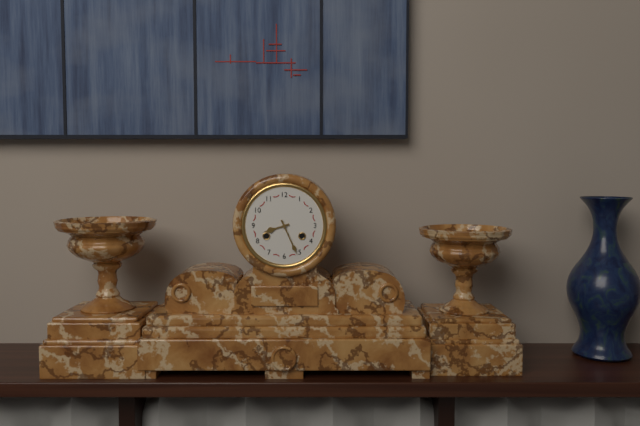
8:26
